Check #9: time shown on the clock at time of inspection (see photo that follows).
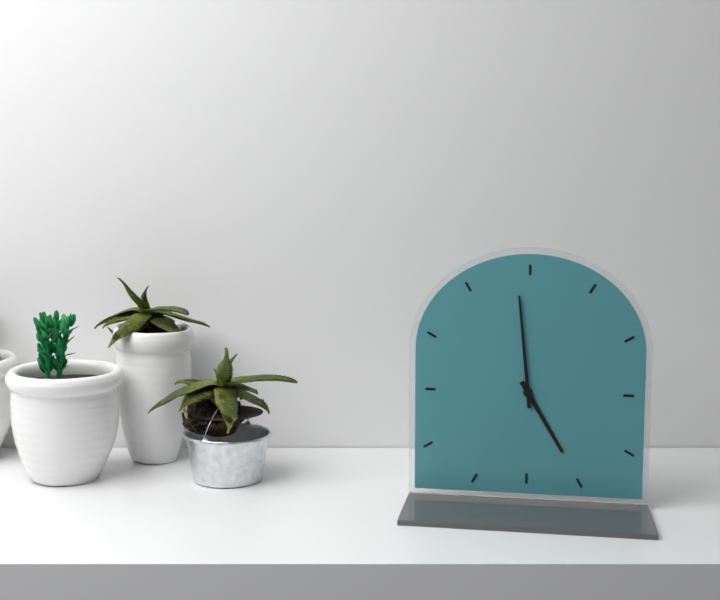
4:59
